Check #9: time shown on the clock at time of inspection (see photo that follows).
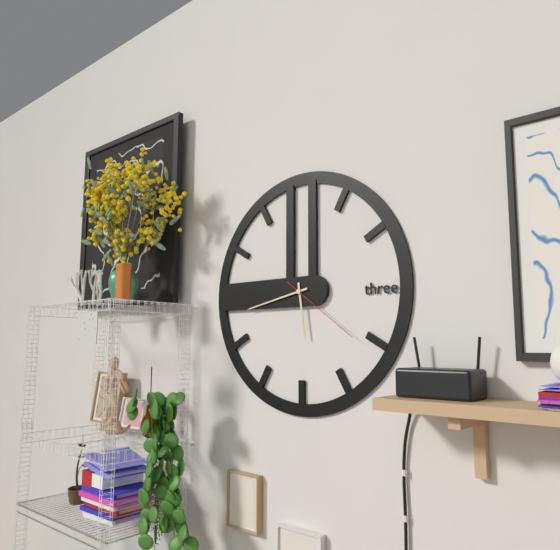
5:43:21
